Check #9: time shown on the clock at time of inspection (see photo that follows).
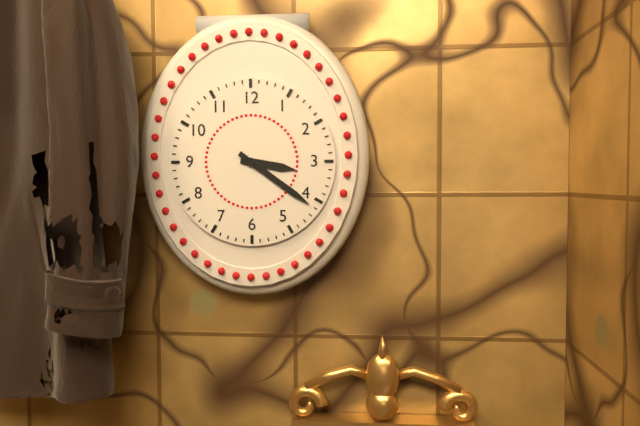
3:21
